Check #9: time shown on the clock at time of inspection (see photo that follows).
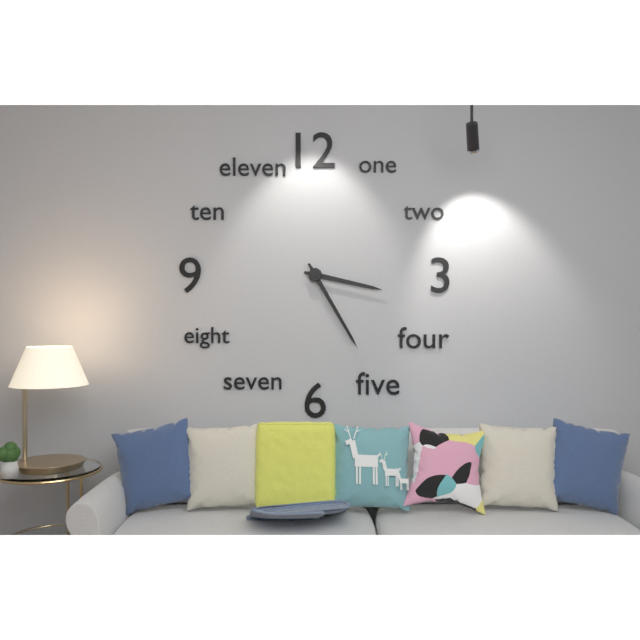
3:25
